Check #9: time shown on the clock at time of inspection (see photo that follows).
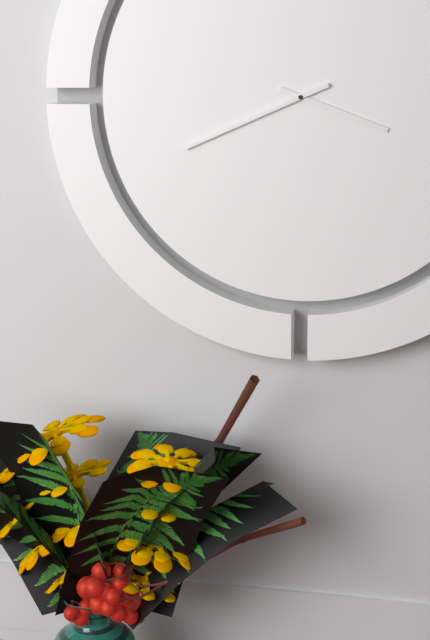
3:41
